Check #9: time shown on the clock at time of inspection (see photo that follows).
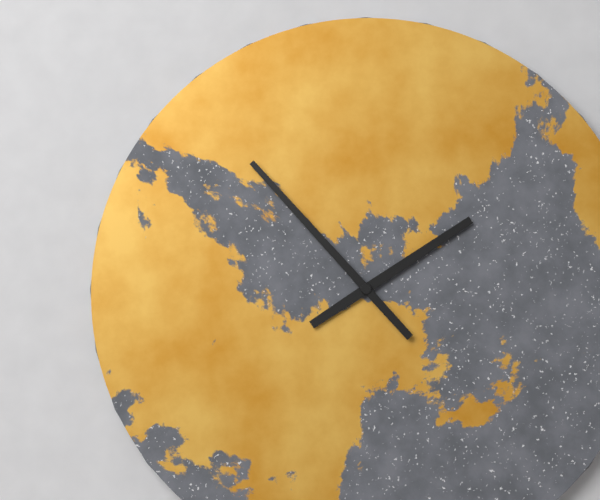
1:53
